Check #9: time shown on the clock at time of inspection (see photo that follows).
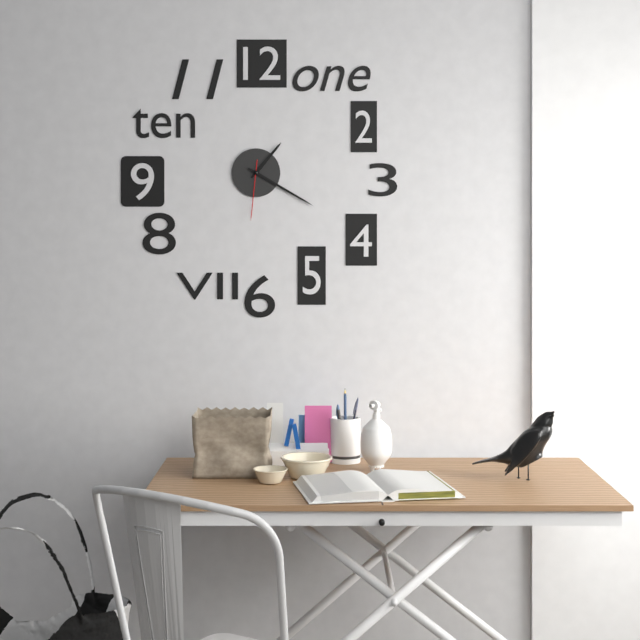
1:20:31
